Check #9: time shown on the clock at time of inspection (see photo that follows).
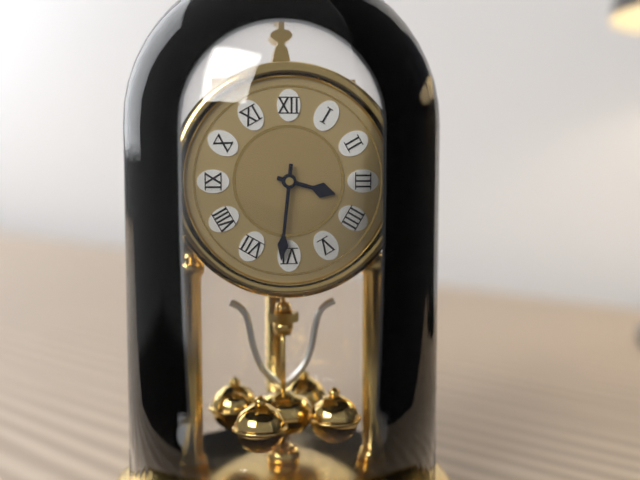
3:31
